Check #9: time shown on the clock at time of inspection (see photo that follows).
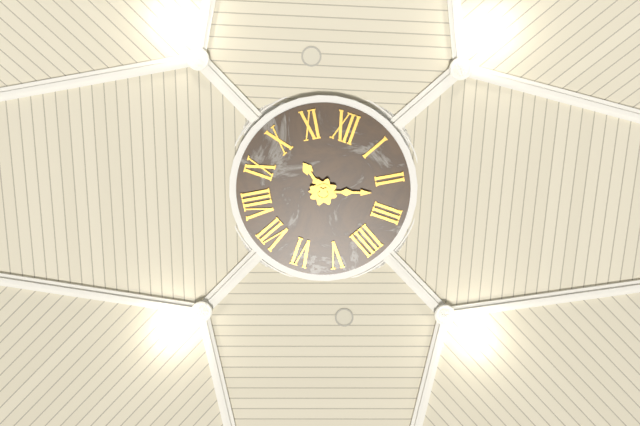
10:12
